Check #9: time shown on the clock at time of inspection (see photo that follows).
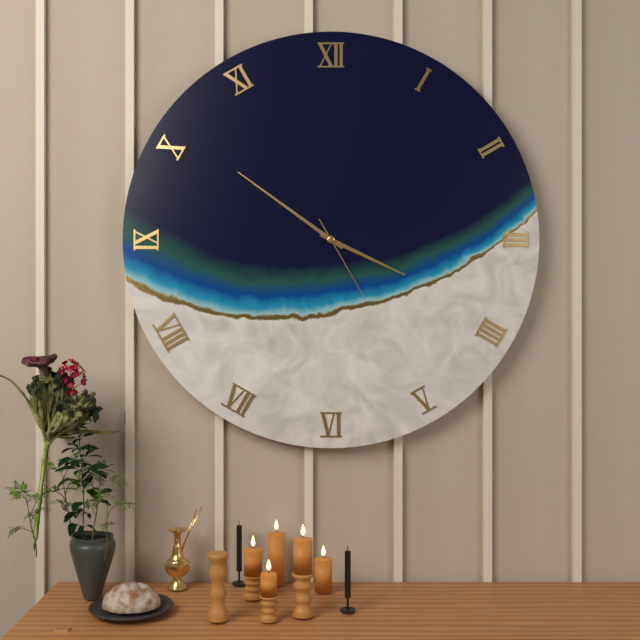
3:51:25
